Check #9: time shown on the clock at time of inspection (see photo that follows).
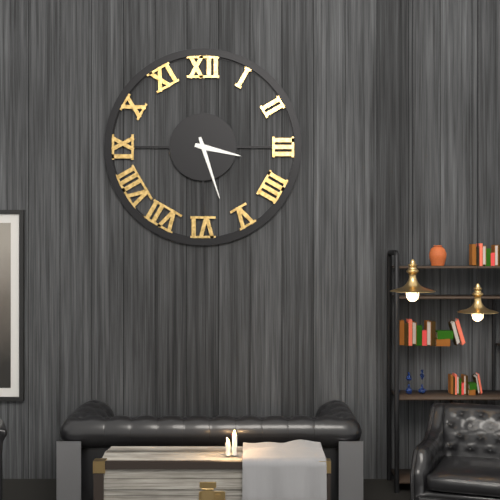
3:27
